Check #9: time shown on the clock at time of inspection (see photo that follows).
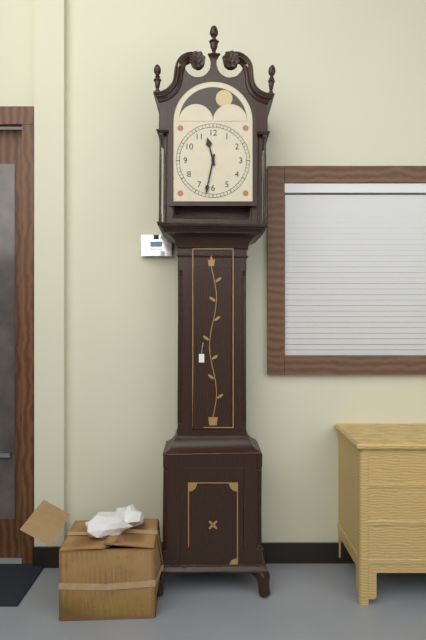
11:32
